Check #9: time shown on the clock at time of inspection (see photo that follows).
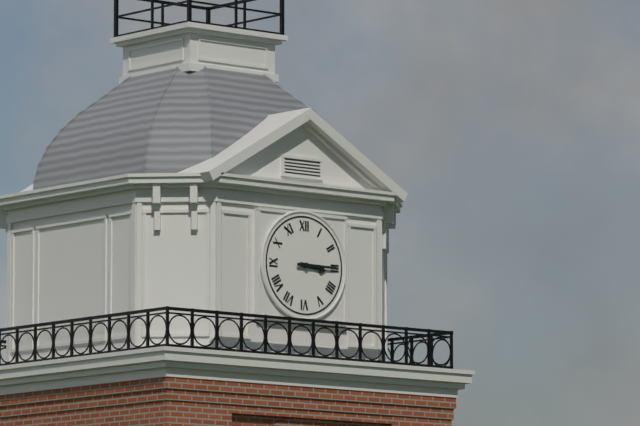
3:15
